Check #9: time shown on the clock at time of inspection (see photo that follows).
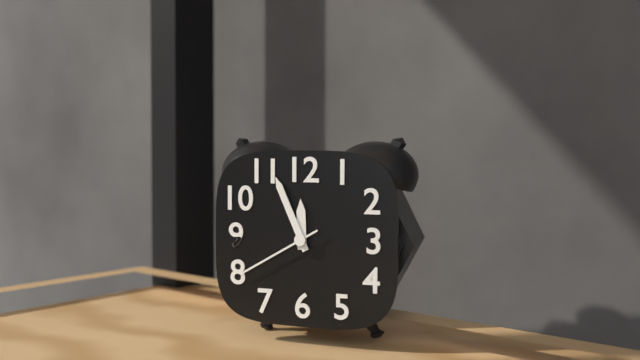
11:56:40
